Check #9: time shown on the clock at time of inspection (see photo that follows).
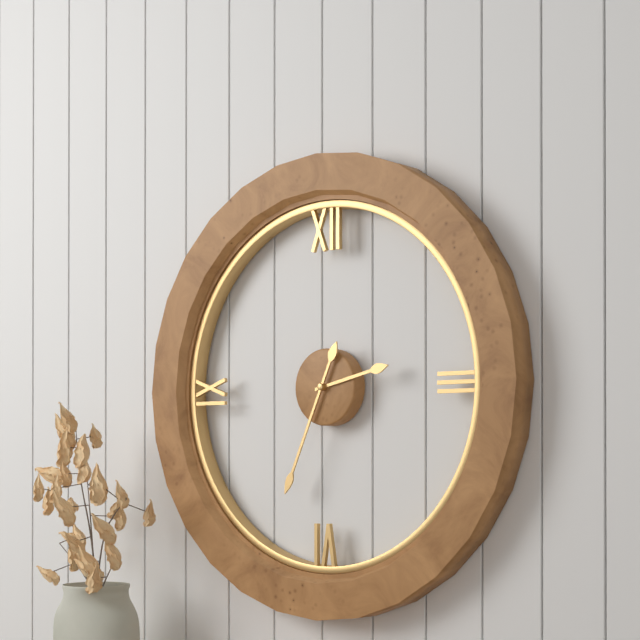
2:34
